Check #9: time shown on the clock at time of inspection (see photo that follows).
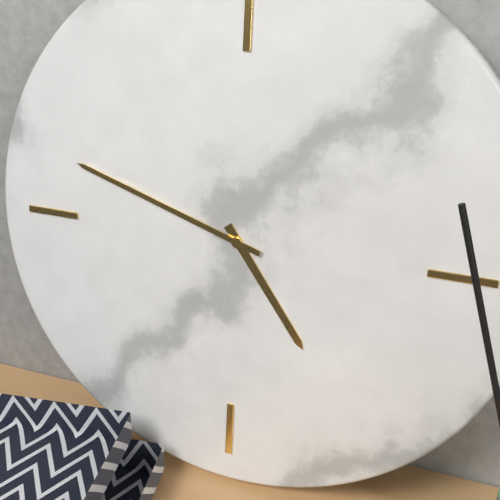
4:48
